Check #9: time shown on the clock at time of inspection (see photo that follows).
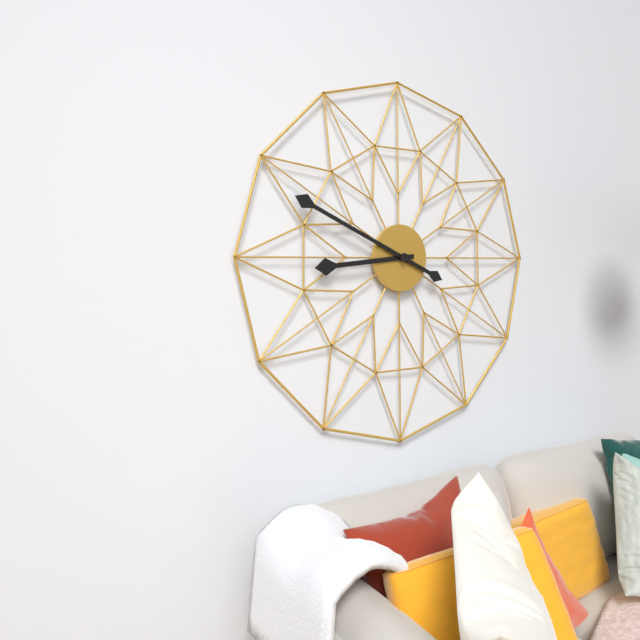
8:49
